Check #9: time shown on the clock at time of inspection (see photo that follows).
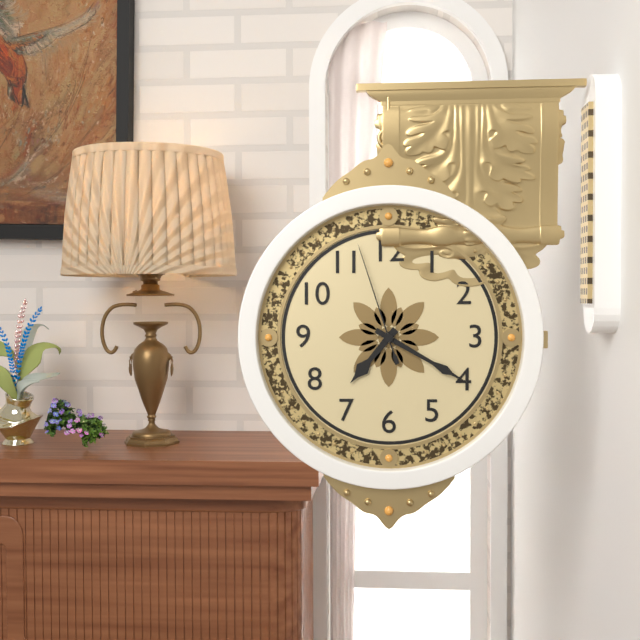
7:20:57
